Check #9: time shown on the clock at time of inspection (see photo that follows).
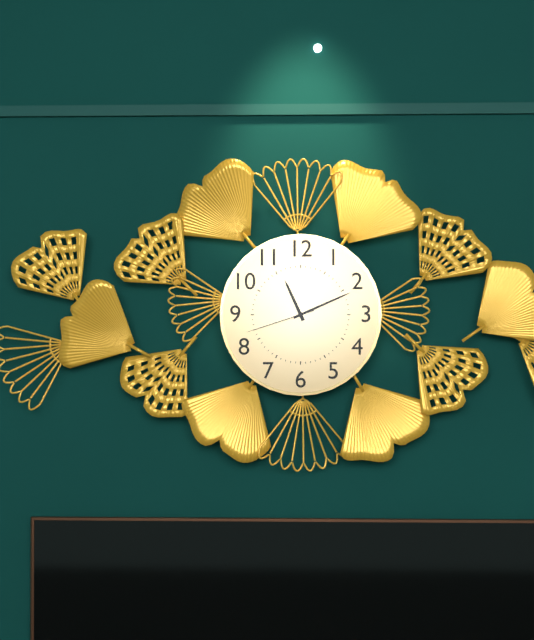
11:11:42
